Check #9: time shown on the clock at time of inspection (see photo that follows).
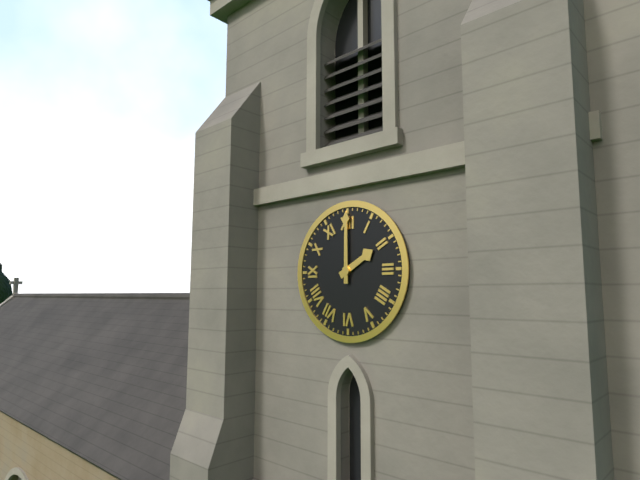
2:00
